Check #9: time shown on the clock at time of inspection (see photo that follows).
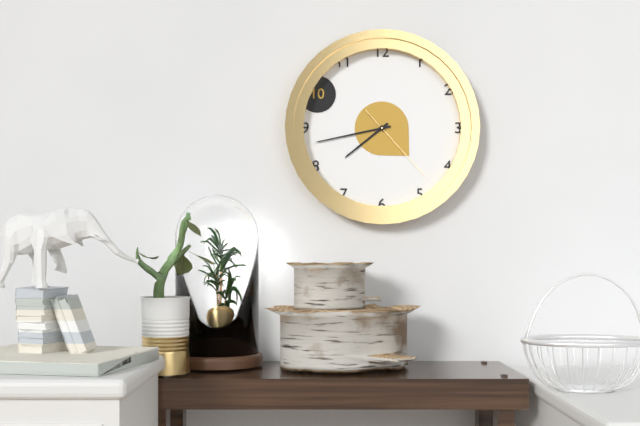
7:43:23
